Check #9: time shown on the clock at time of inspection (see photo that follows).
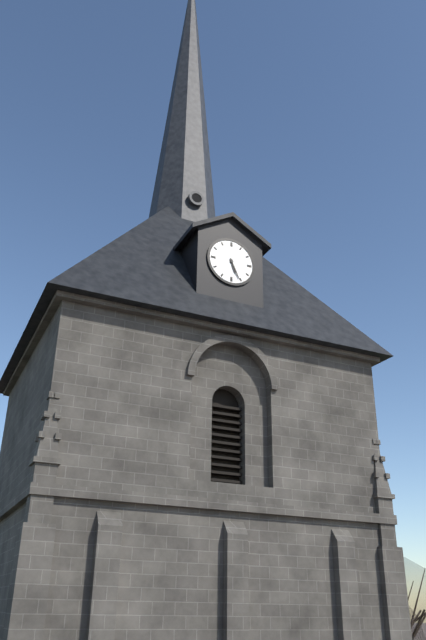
5:26
